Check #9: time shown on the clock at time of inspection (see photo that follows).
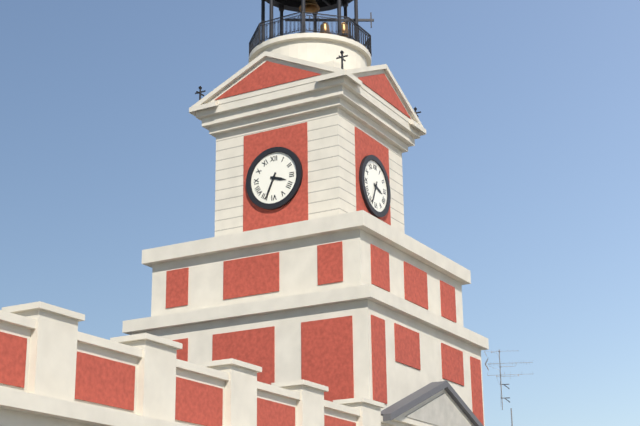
3:34
